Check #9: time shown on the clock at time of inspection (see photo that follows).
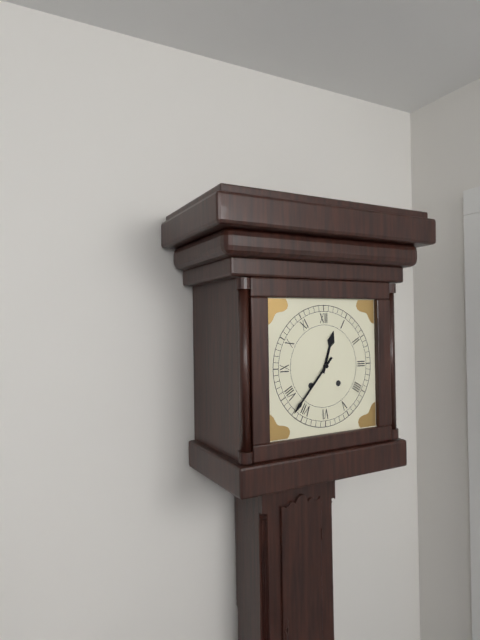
12:37
